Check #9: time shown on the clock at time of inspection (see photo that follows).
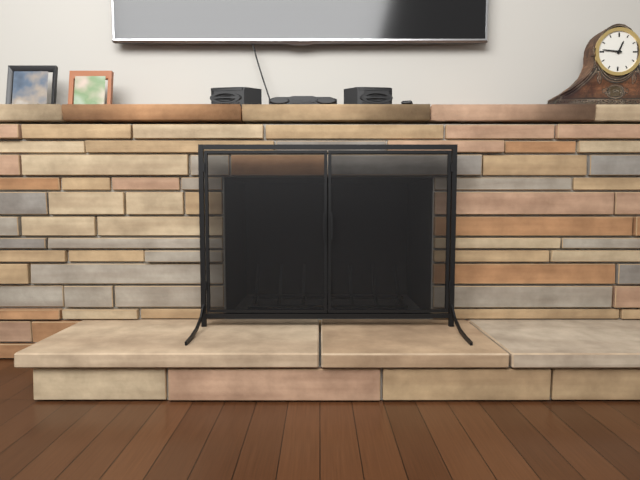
12:46
